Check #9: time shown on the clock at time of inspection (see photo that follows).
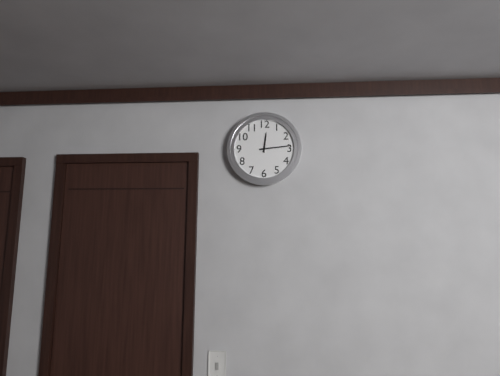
12:14
